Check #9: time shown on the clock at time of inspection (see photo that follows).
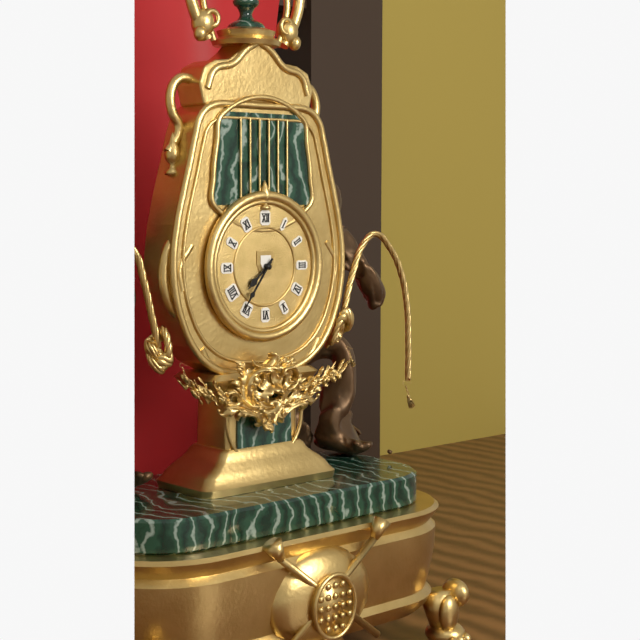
7:36
